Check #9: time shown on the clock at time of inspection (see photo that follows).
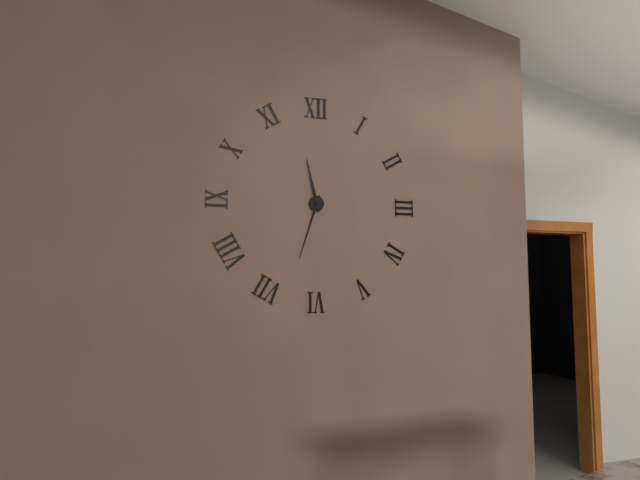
11:33
